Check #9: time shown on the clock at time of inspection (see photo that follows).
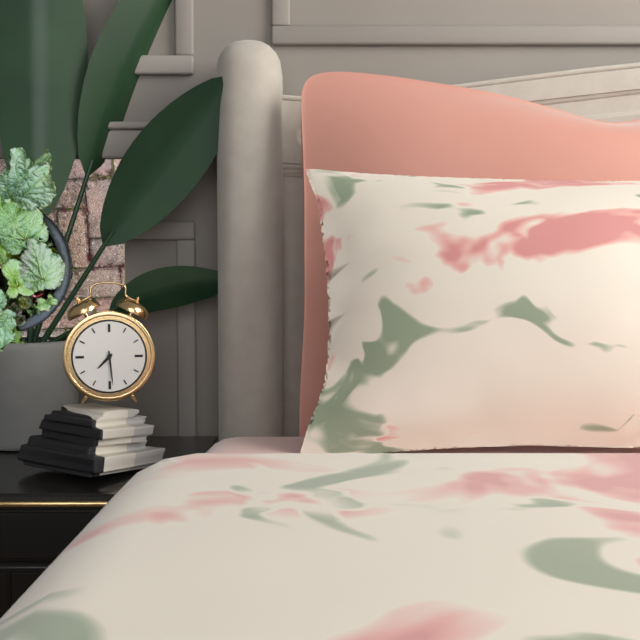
7:29
